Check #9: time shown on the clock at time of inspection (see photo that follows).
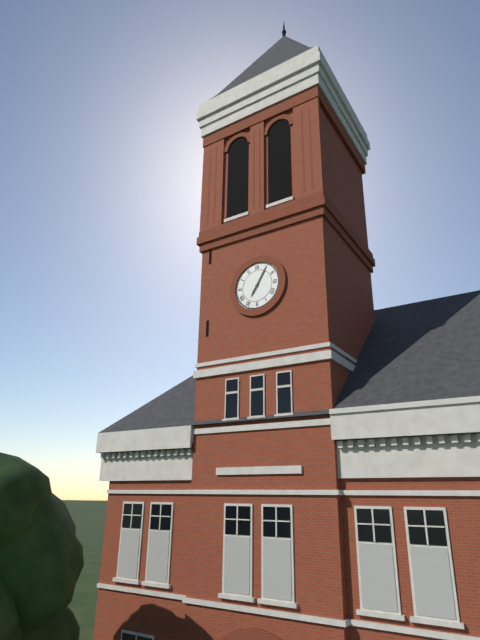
7:05
